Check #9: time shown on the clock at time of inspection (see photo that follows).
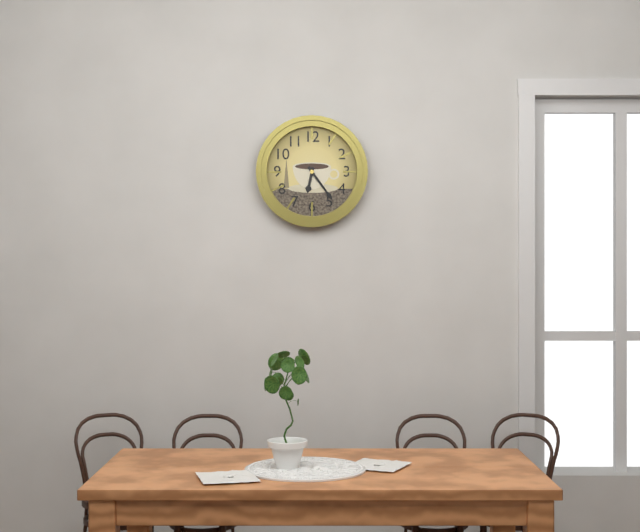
6:24
